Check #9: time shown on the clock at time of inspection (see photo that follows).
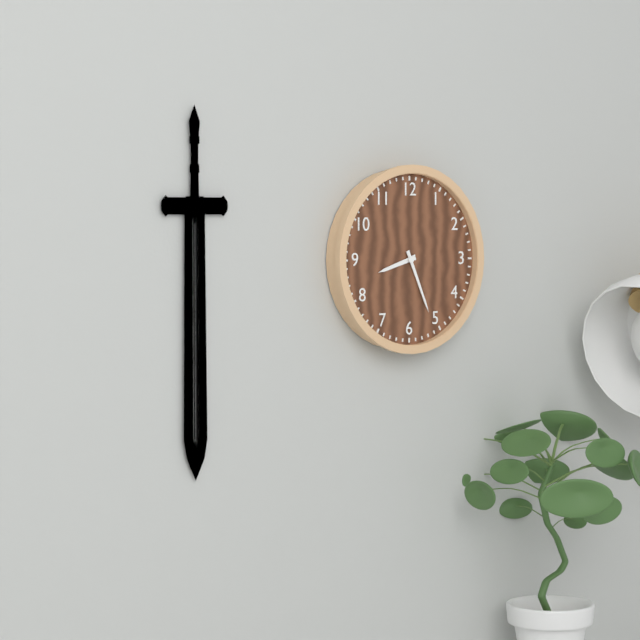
8:26
